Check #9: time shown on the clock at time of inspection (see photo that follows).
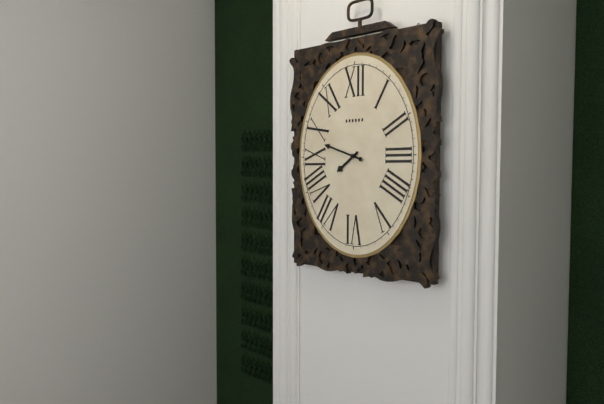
7:48
